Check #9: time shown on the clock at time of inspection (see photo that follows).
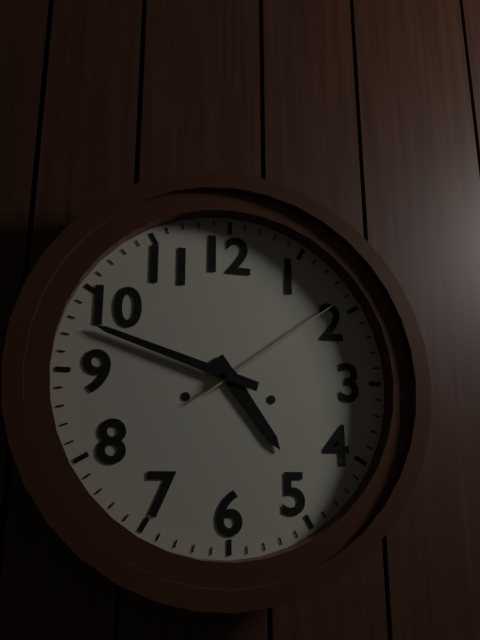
4:48:09
